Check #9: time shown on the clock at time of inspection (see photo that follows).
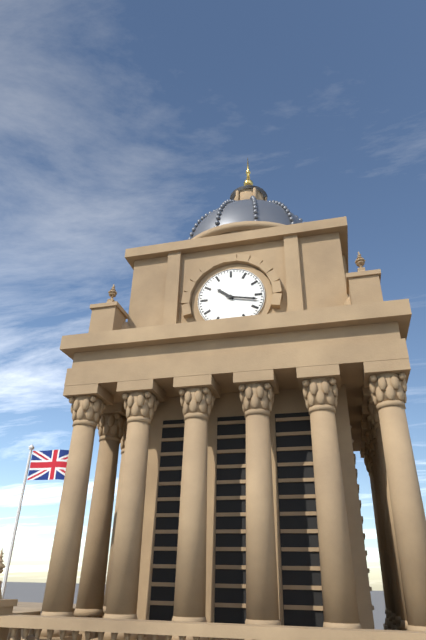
10:17
